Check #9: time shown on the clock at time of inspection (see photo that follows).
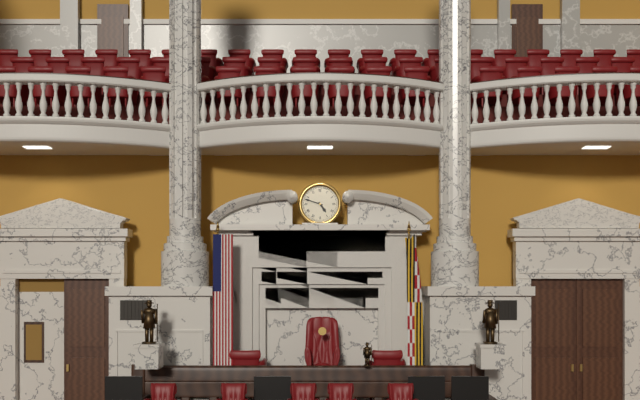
4:48
